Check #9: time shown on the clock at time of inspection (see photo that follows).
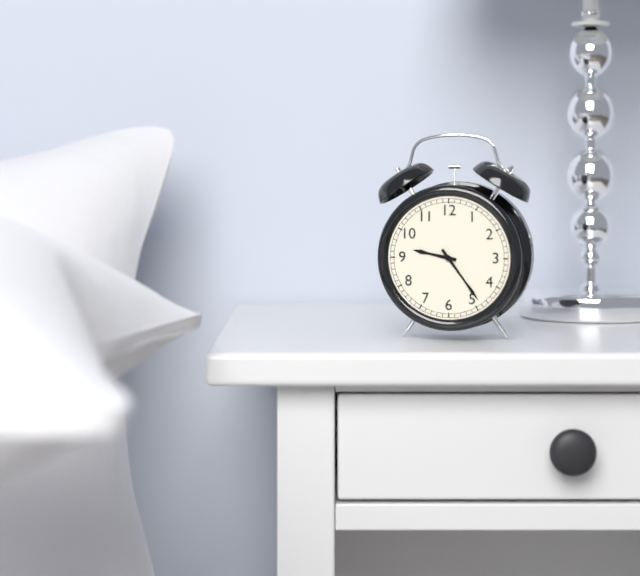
9:24
